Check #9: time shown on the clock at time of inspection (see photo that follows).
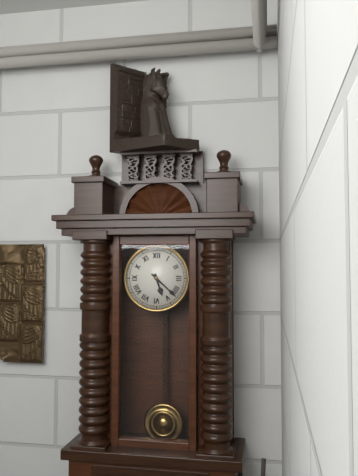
5:22
